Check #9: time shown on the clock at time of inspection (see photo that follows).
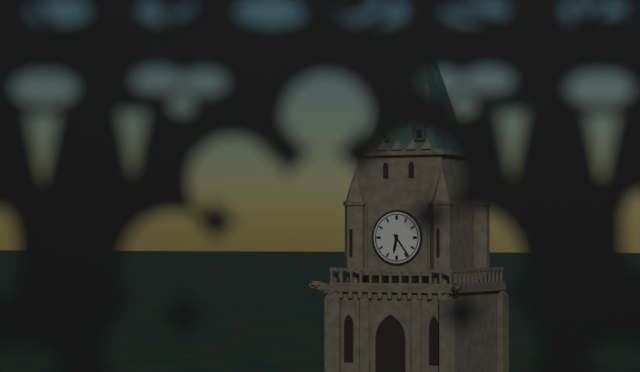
6:24
